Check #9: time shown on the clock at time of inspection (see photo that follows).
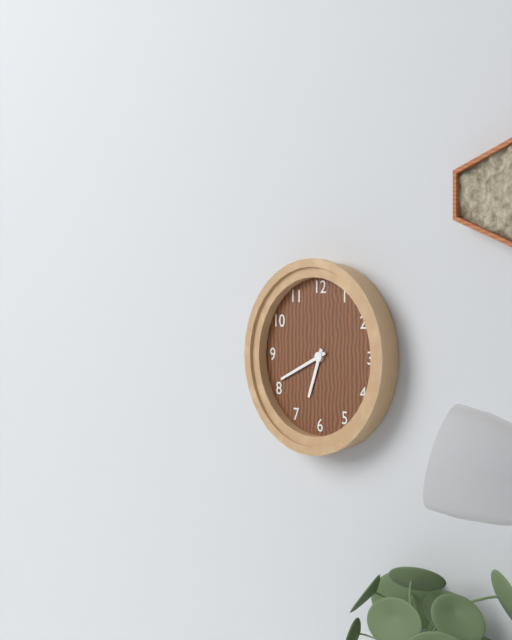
6:41
